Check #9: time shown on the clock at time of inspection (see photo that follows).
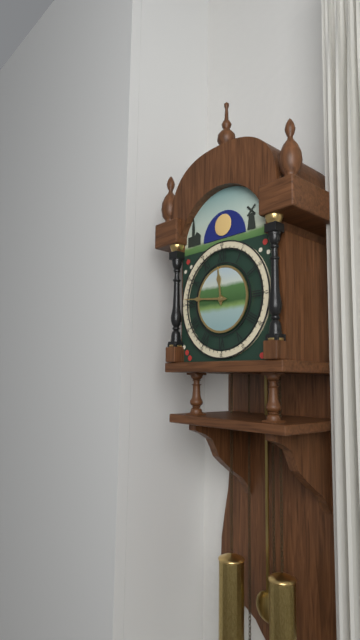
11:46
